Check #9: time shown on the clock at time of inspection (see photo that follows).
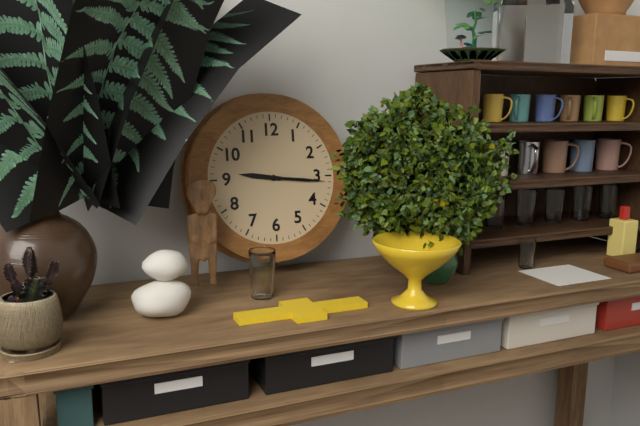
9:16
